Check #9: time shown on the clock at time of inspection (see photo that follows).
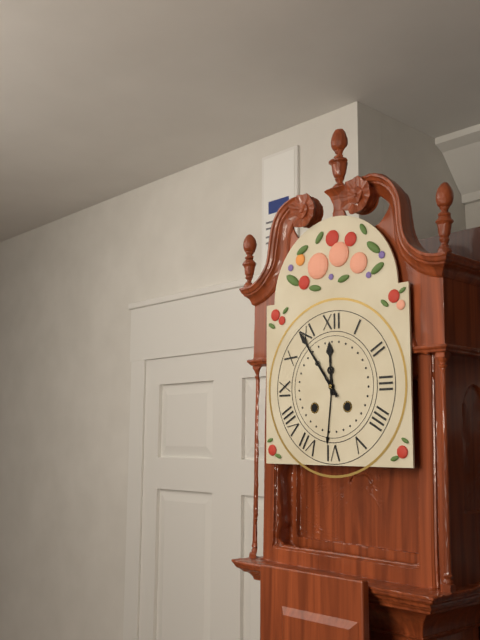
11:54
